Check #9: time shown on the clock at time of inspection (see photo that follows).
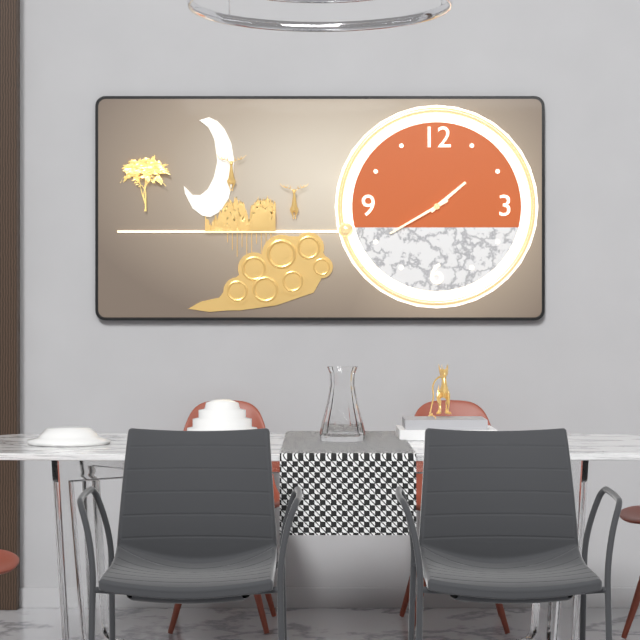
1:40
